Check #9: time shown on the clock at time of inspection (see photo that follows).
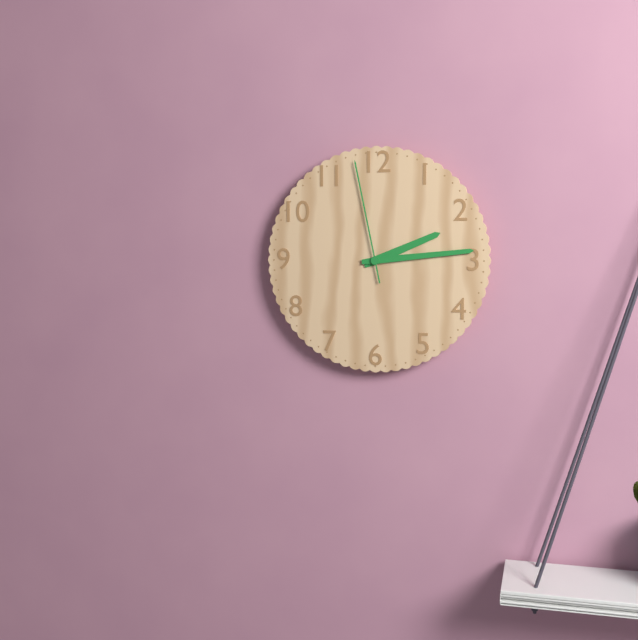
2:14:58
